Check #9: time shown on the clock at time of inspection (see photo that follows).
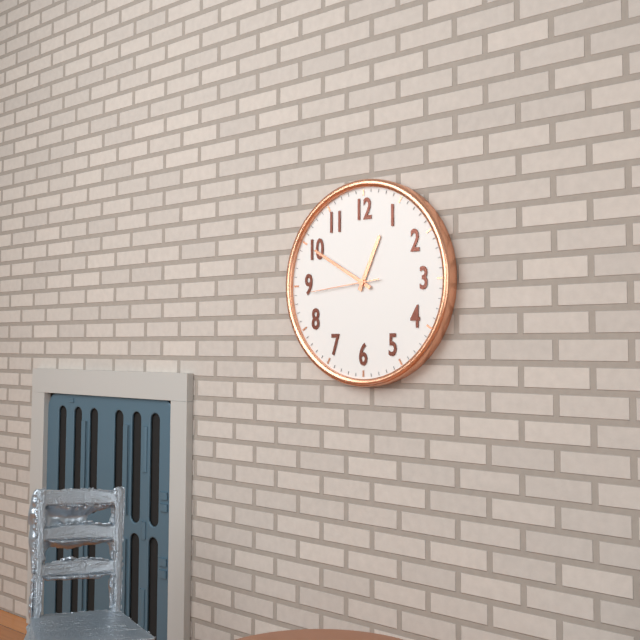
12:50:44
